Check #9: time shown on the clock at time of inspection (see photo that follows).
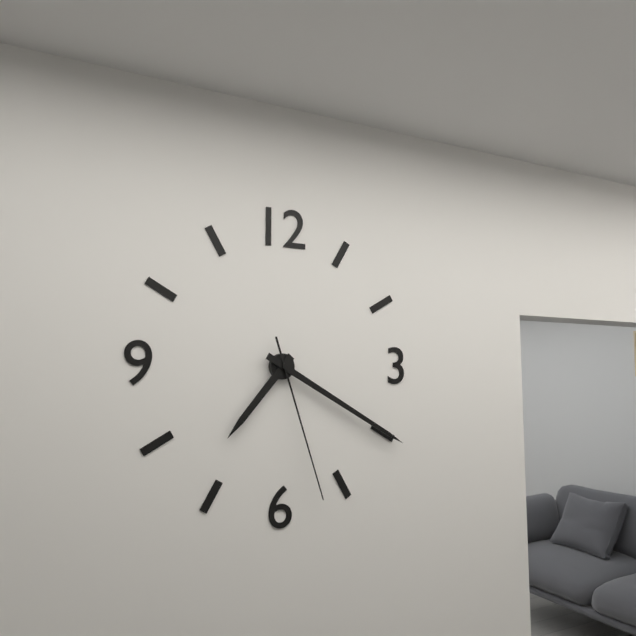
7:20:27
